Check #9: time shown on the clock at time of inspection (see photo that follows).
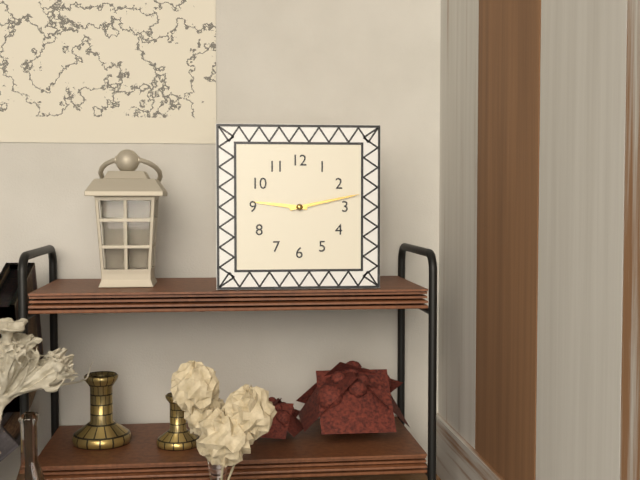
9:13
